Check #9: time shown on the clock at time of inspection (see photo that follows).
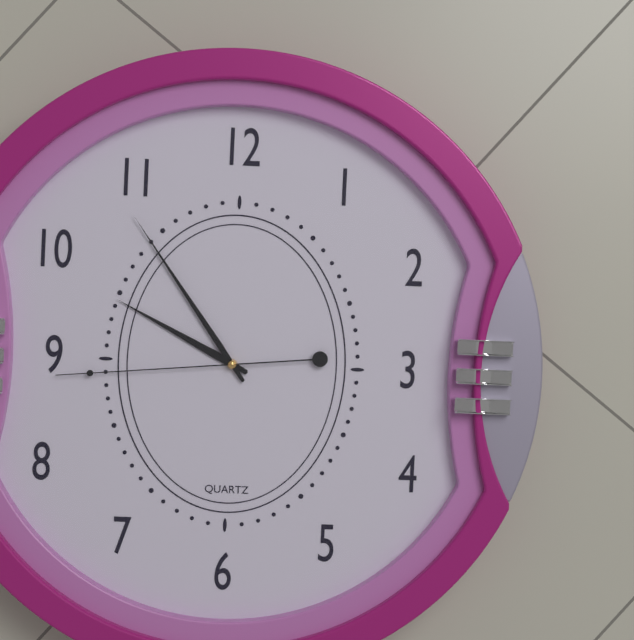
9:54:44
